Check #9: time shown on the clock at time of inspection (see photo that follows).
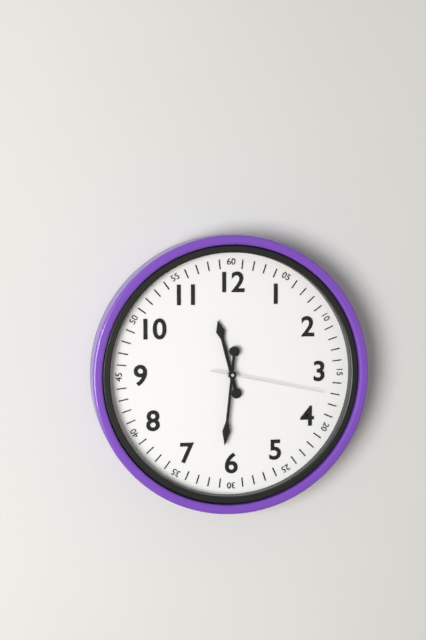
11:31:17
